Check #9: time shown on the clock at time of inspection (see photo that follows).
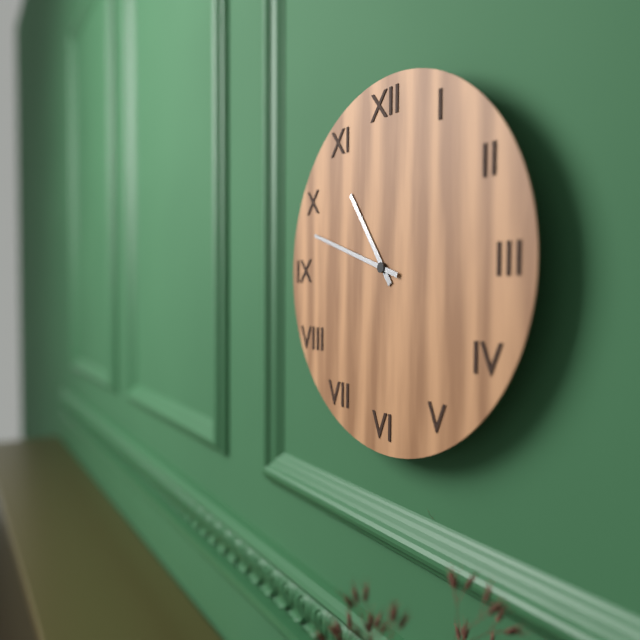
10:48
